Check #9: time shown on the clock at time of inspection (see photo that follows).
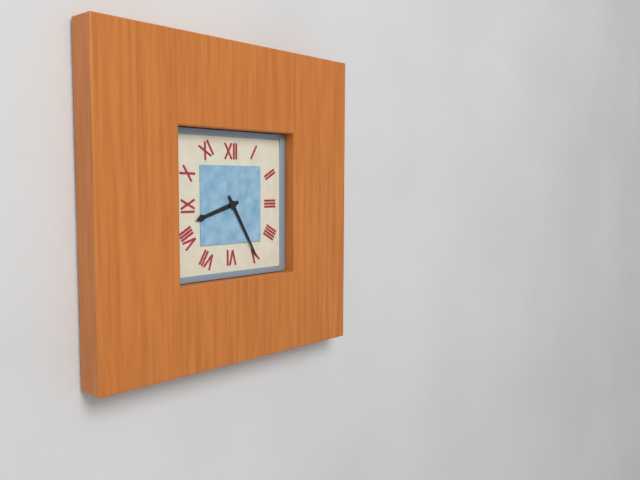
8:25
